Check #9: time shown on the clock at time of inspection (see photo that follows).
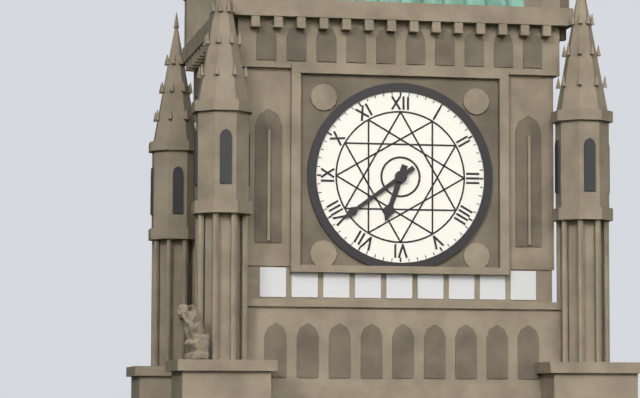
6:39
